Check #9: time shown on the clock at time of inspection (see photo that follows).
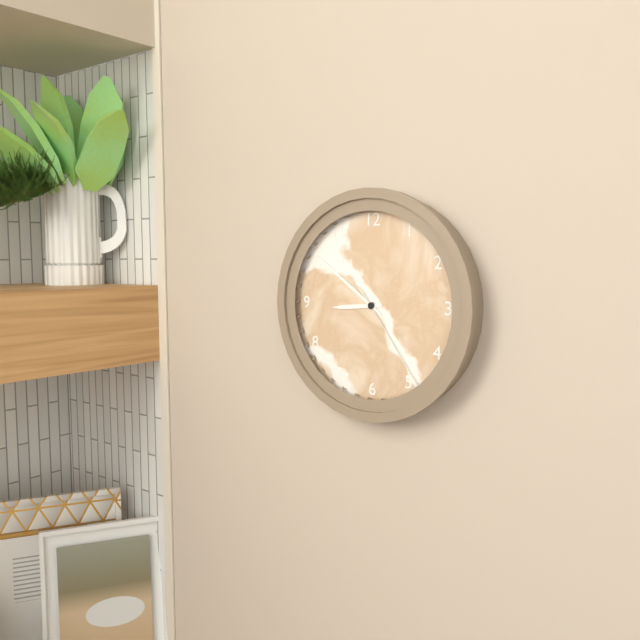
8:51:24
